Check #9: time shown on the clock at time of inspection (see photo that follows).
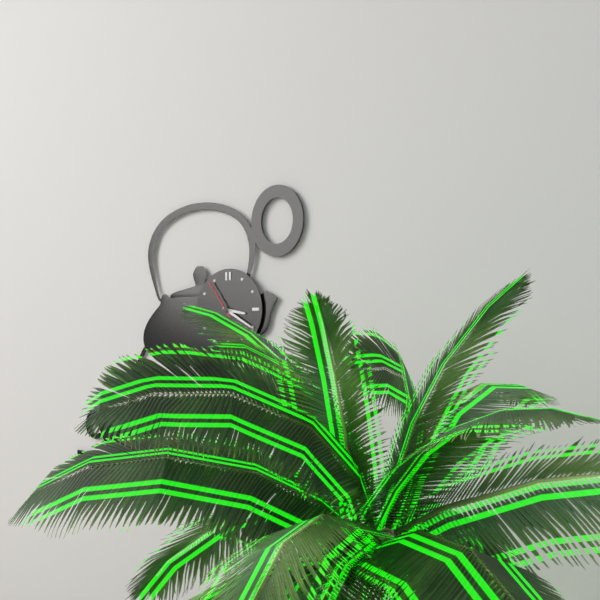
3:20
